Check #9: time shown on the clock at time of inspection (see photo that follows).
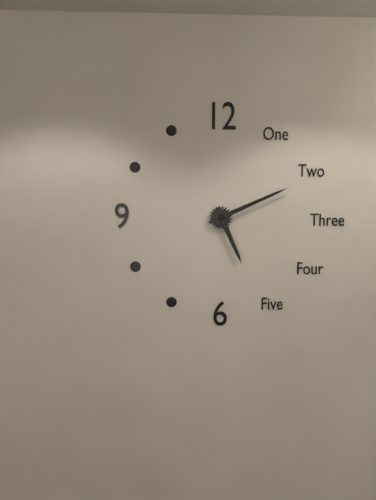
5:11
